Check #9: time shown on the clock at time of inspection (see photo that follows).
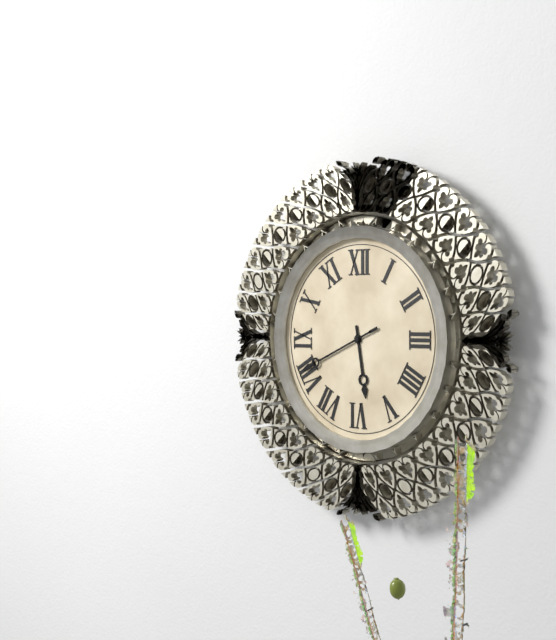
5:41
